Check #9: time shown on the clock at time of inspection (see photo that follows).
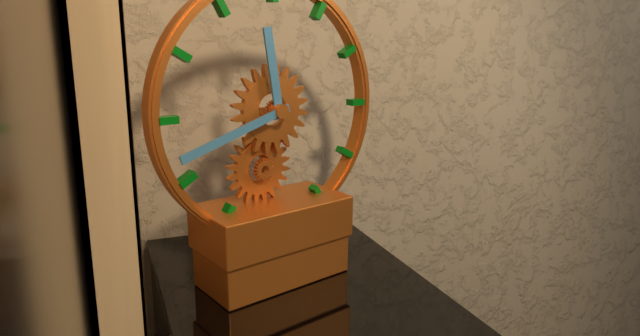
11:42
